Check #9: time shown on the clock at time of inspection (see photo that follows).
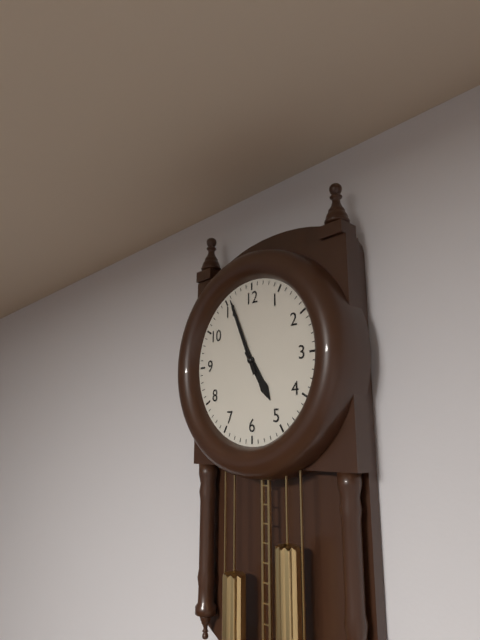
4:56
